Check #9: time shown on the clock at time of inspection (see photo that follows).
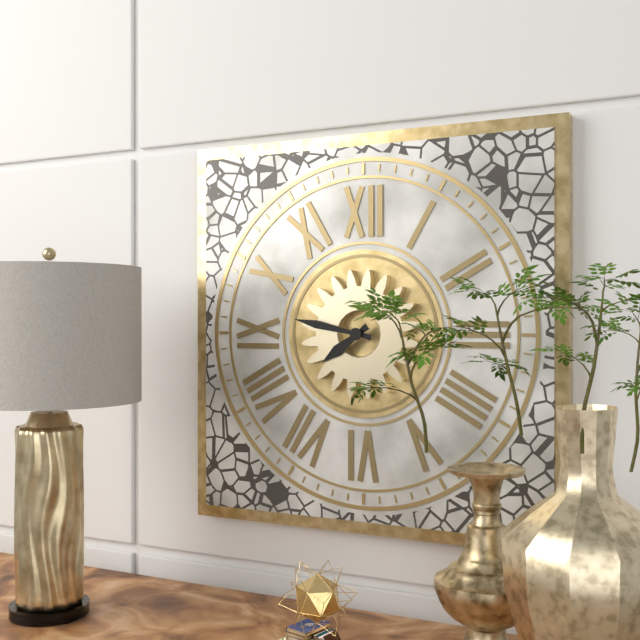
7:47
